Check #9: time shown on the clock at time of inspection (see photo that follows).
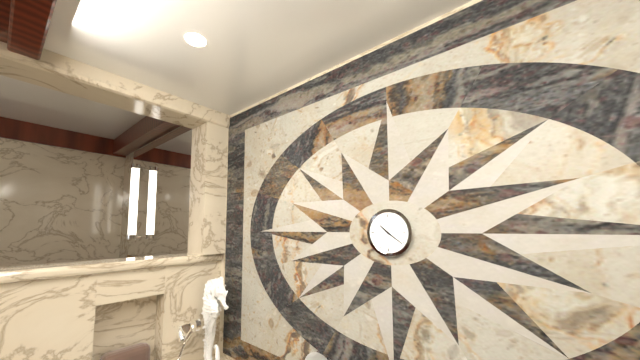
10:21
